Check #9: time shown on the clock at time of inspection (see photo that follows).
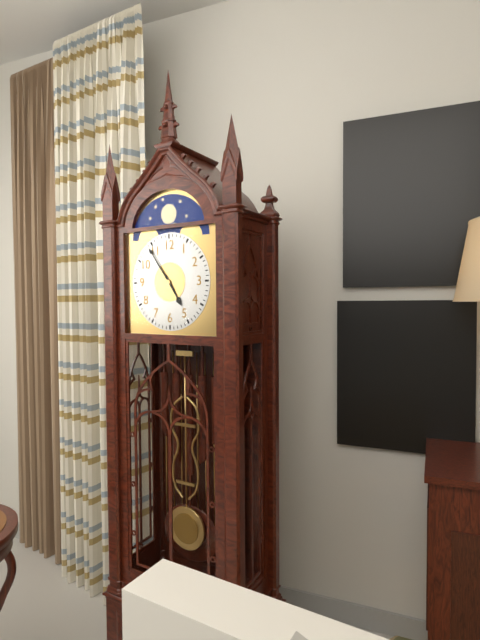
4:54
